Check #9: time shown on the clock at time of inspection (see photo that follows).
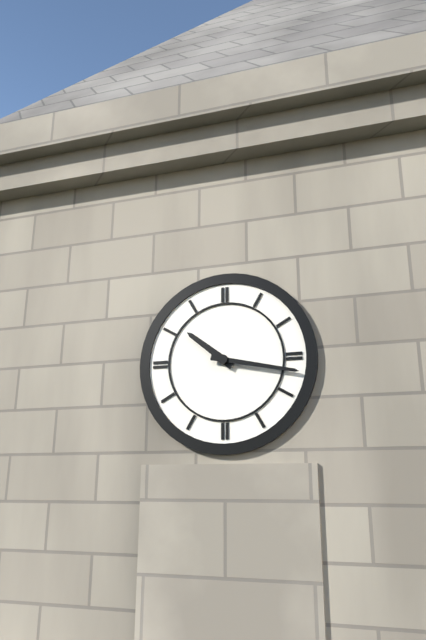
10:17
